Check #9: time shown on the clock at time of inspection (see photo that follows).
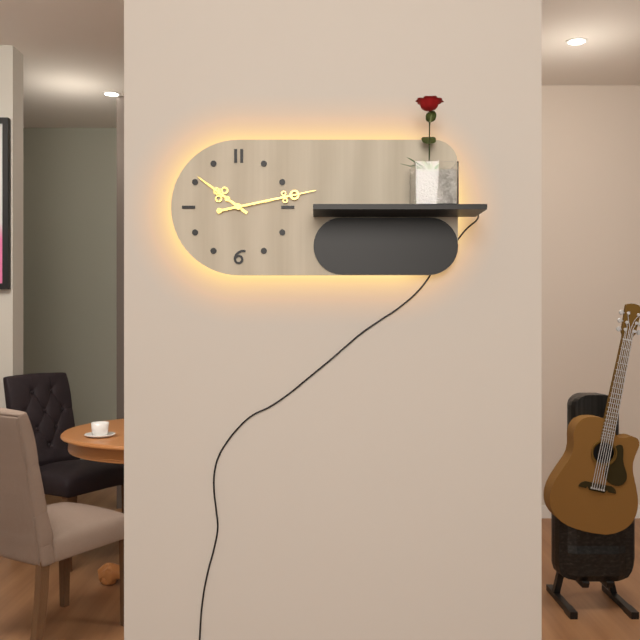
10:13
